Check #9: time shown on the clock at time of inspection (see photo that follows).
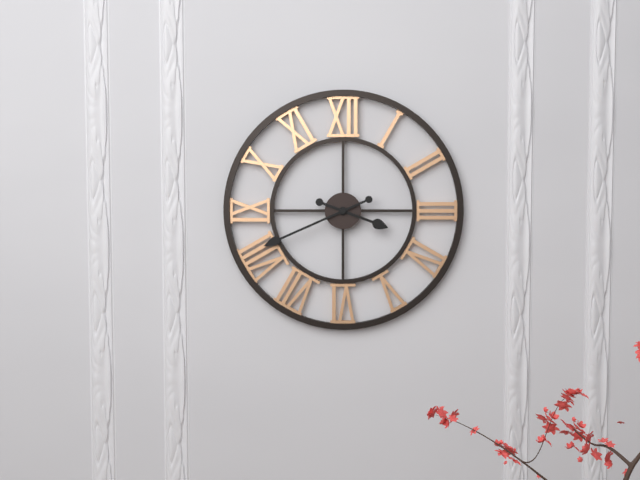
3:41
